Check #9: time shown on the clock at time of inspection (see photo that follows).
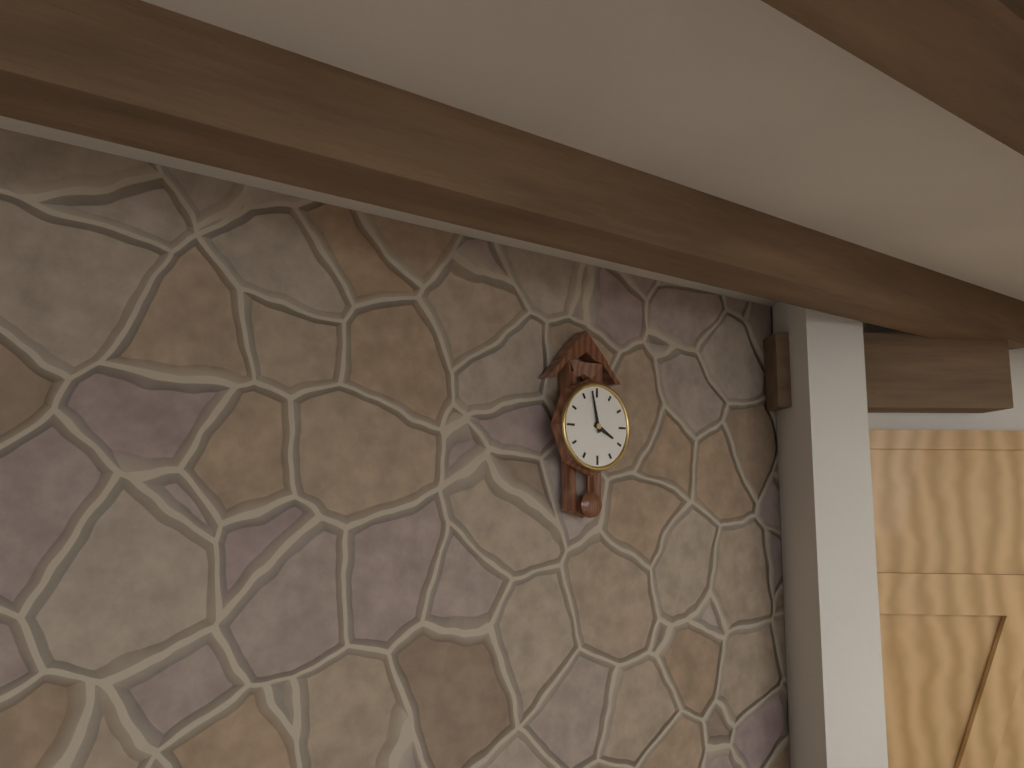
3:58
